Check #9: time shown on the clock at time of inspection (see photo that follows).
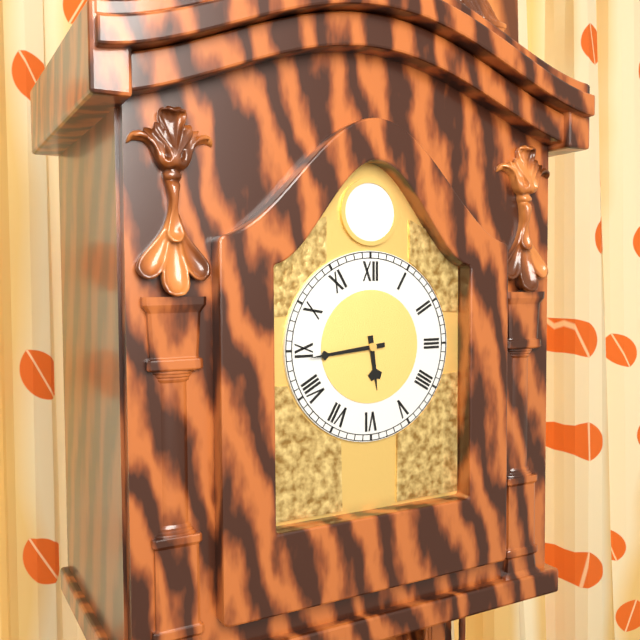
5:44
